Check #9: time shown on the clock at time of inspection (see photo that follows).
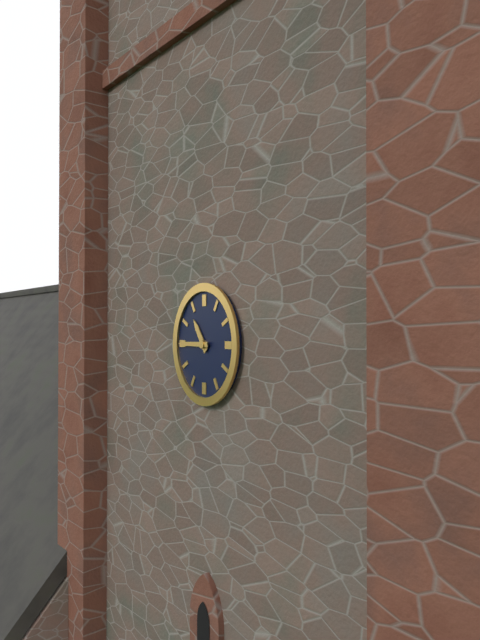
10:45
